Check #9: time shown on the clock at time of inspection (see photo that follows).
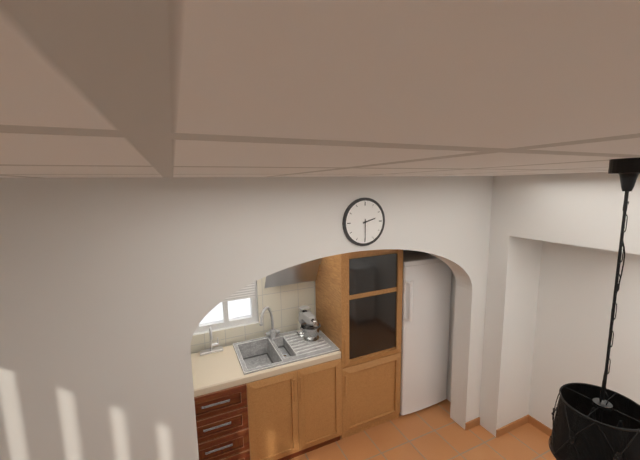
2:30
